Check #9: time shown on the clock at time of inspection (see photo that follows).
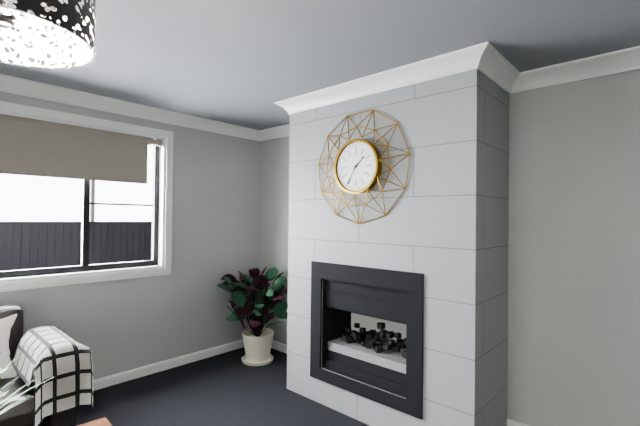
1:35
